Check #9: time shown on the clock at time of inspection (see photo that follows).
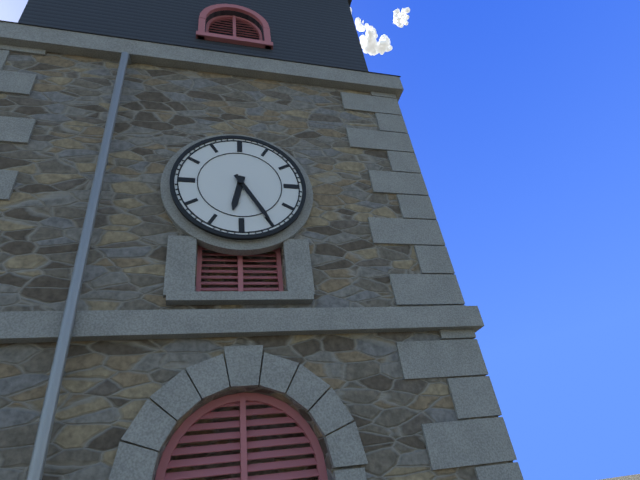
6:25
